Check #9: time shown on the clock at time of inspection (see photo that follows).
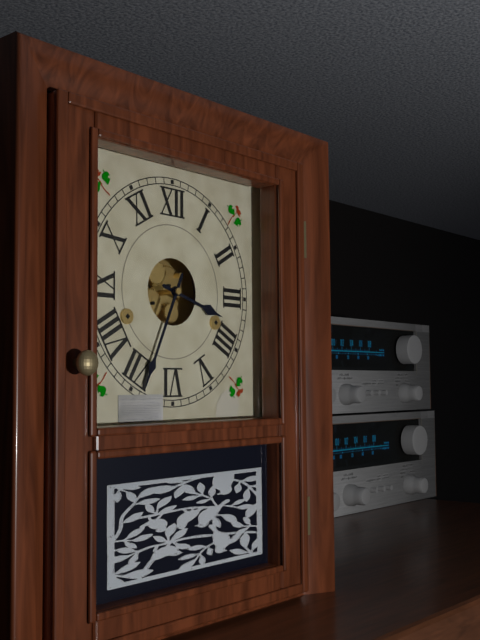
3:34
